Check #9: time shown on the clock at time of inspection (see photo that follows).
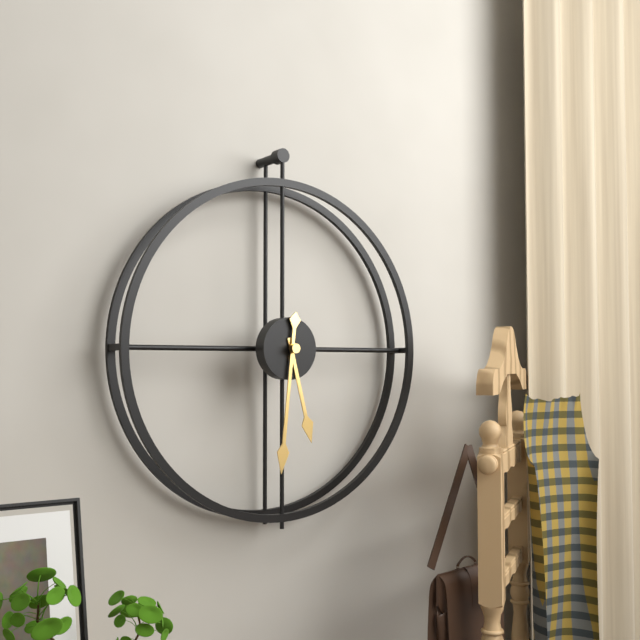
5:31
